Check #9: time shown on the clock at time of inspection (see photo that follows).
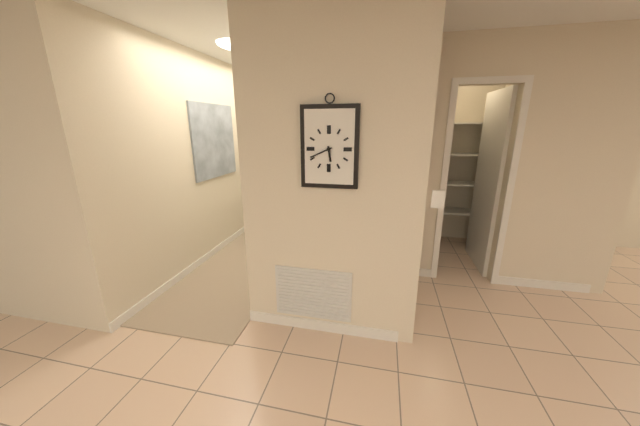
5:41
